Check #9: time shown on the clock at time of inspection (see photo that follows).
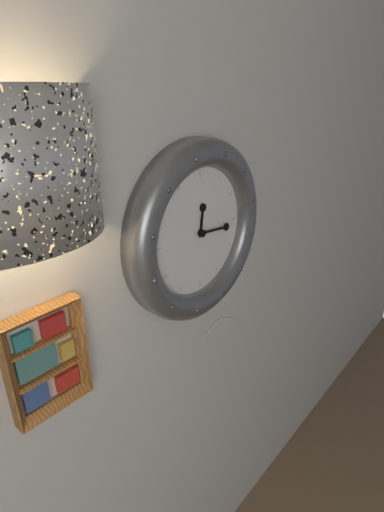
12:16
